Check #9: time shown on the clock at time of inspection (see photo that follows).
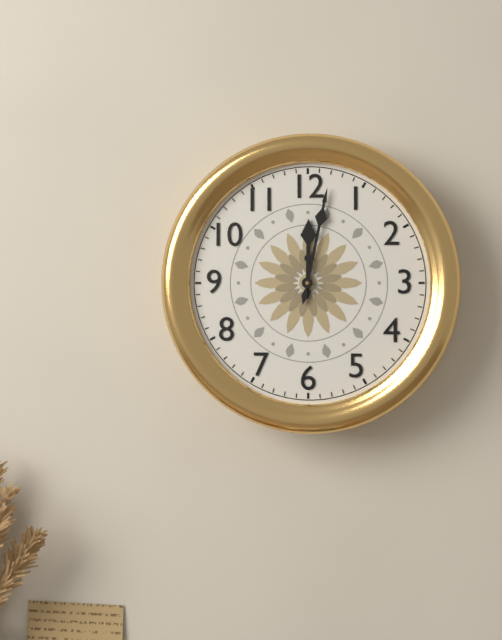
12:02
